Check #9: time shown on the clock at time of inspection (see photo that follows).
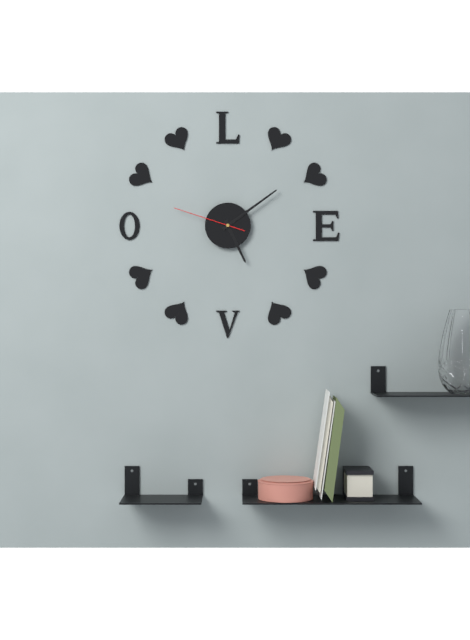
5:09:48
